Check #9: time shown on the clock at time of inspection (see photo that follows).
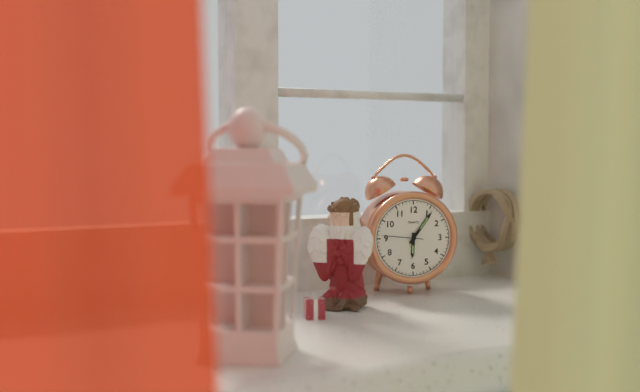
6:06
